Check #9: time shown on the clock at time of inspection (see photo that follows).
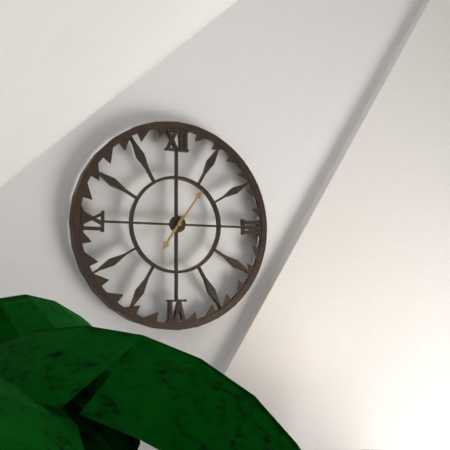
7:06
